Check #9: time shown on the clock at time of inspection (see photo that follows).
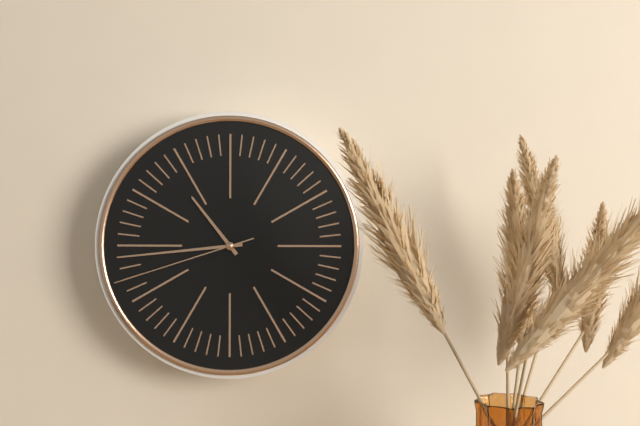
10:44:42
